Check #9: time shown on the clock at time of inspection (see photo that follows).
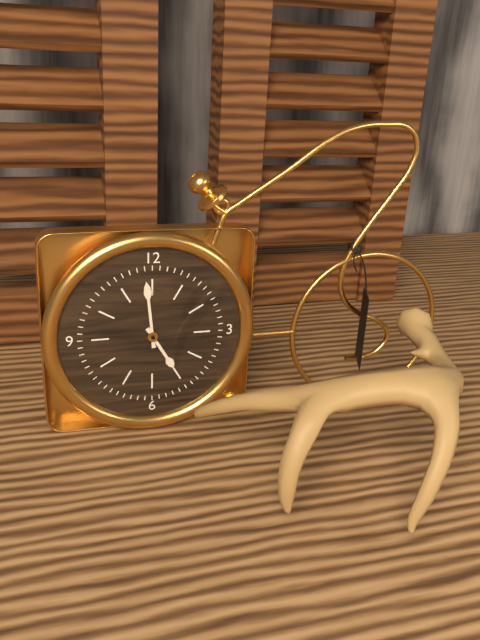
4:59
